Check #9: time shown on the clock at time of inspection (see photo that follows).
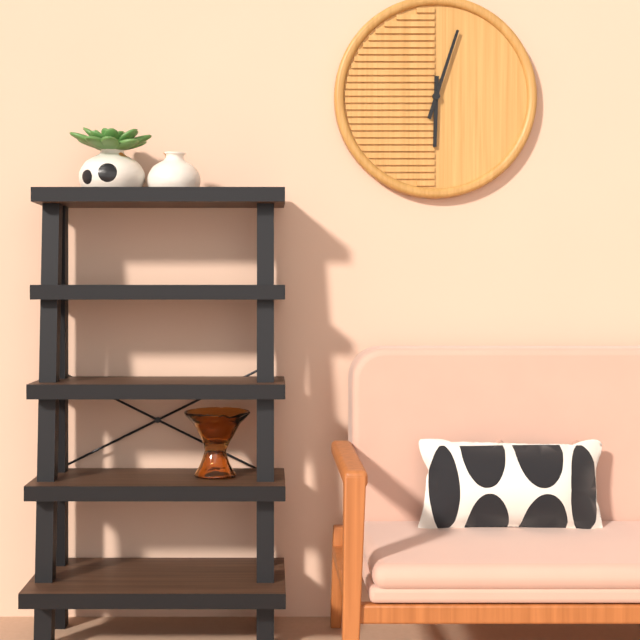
6:03
